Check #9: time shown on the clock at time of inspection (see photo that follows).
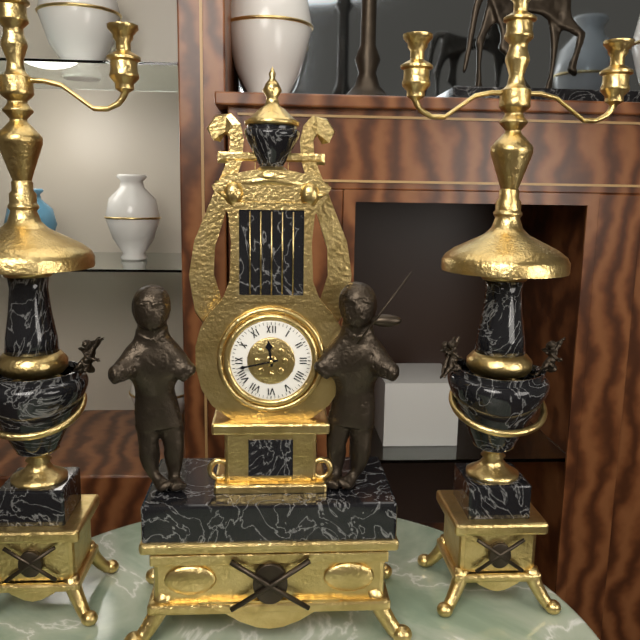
11:43
